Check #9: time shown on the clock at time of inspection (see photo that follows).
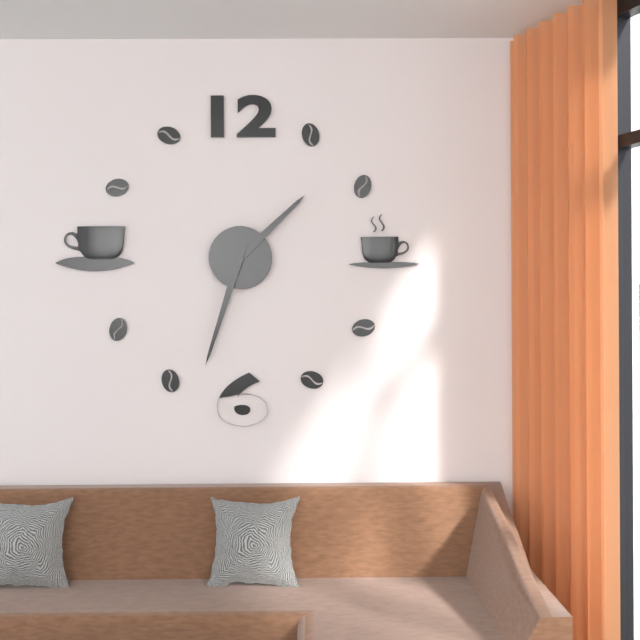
1:33
